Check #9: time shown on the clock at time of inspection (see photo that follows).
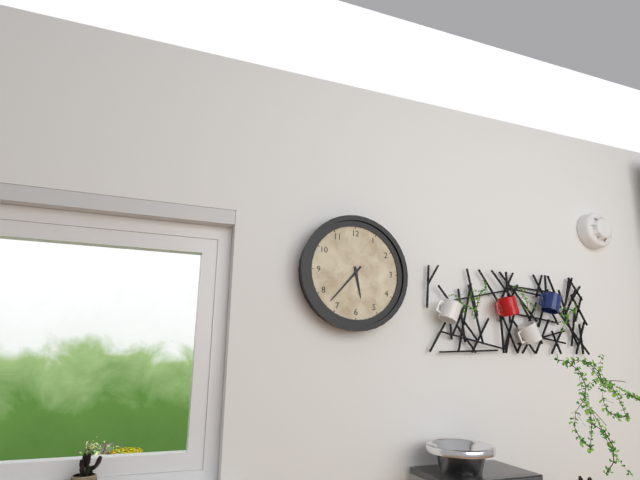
5:37
